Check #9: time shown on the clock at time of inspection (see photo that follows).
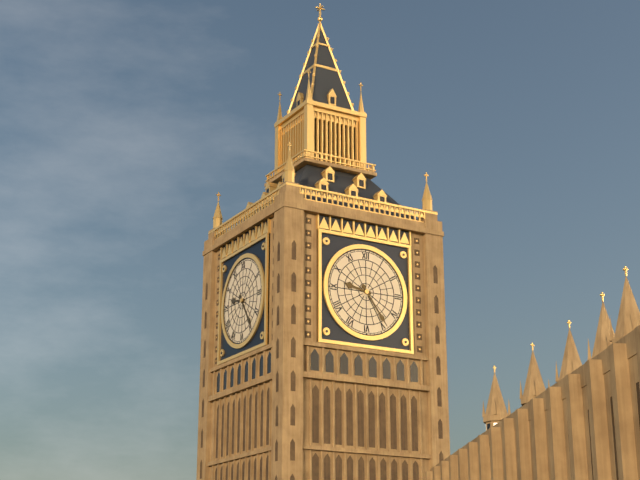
9:24
